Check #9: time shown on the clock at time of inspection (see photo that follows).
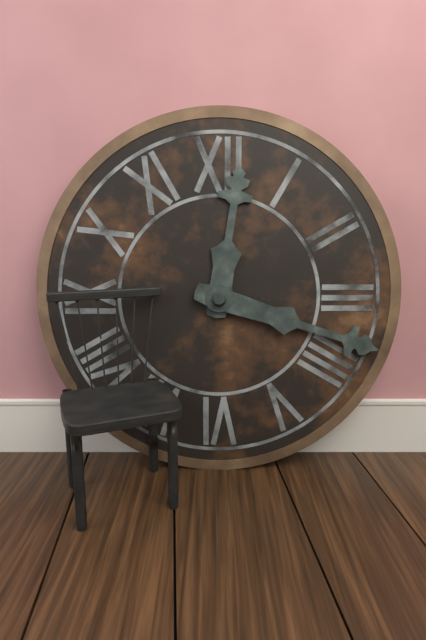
12:18
